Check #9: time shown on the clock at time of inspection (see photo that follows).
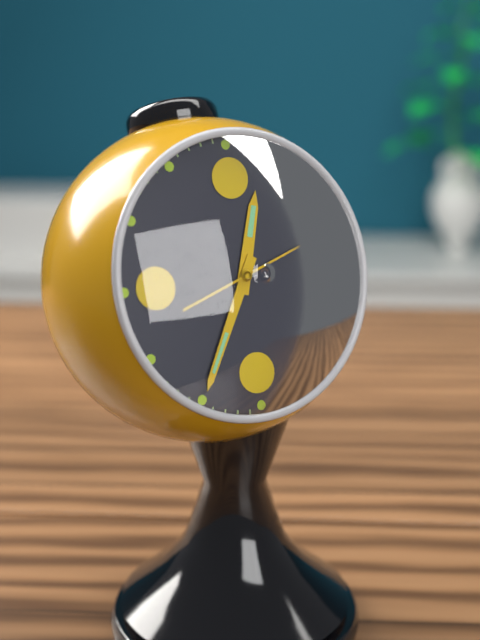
12:35:12
